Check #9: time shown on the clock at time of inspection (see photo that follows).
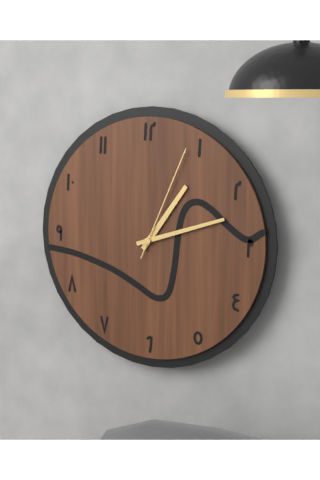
1:12:04
